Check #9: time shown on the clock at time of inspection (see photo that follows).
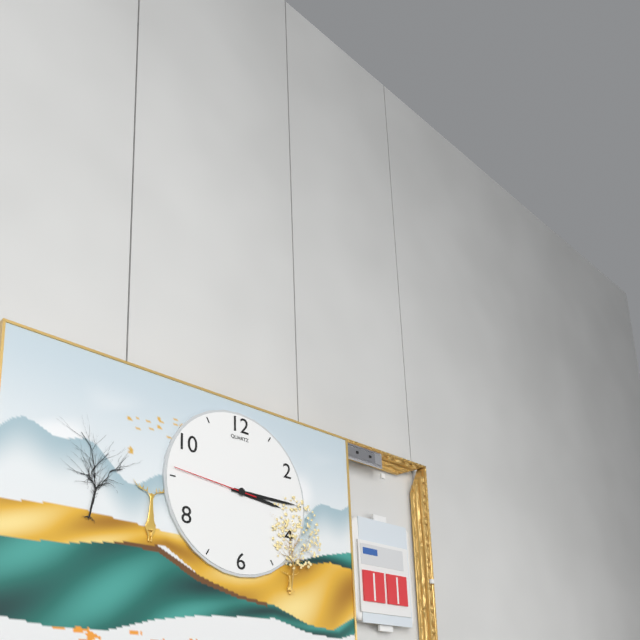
3:15:46
